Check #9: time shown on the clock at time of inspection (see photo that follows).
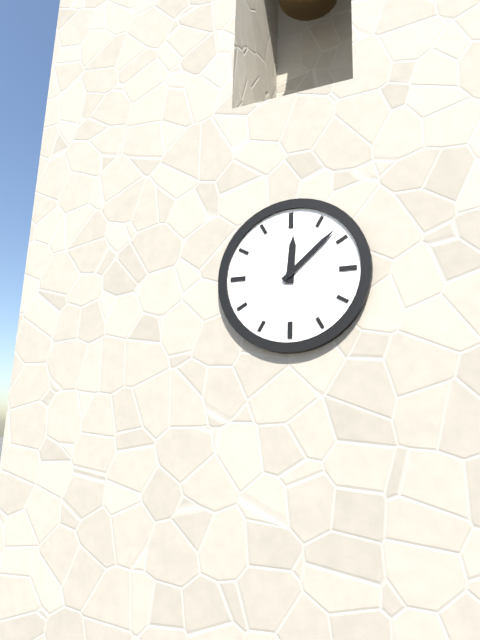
12:08
